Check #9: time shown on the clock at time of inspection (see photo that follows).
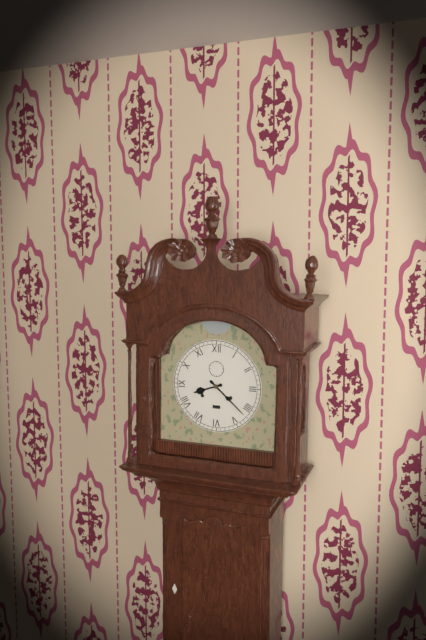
8:22
